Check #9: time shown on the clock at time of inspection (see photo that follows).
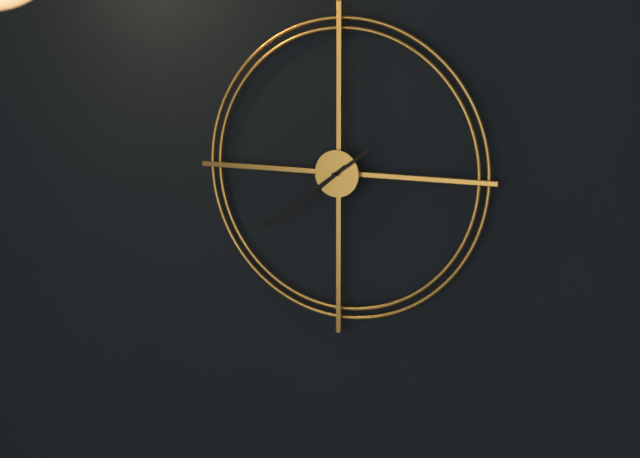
7:39
